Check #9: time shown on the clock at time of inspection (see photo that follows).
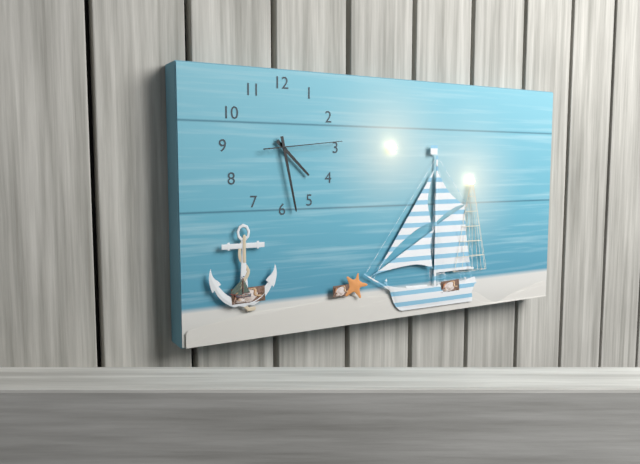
4:28:14
